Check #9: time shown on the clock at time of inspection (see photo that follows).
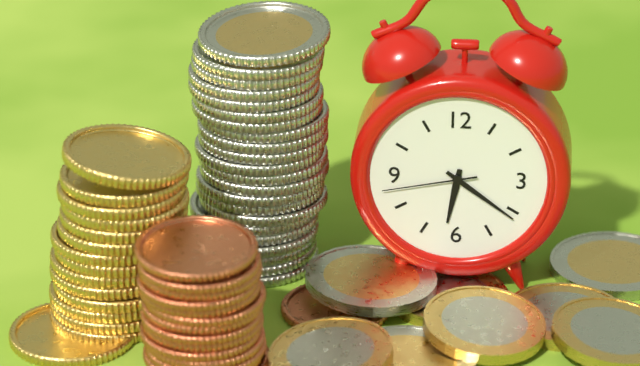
6:21:43
